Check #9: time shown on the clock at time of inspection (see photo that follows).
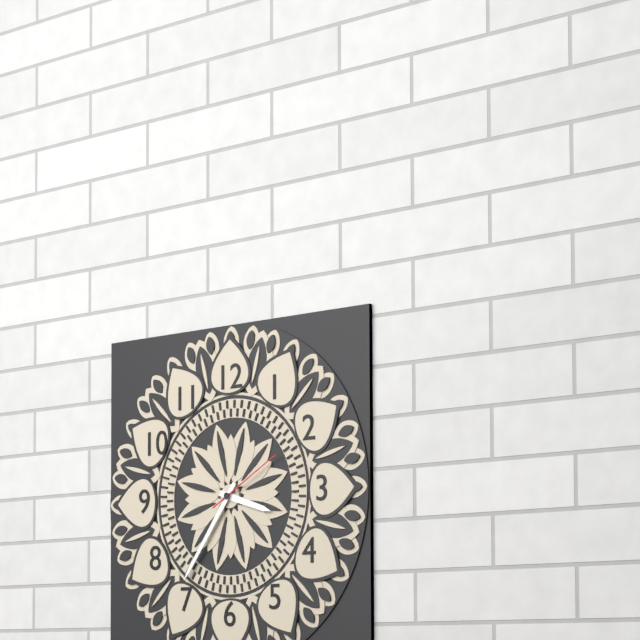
3:36:10
